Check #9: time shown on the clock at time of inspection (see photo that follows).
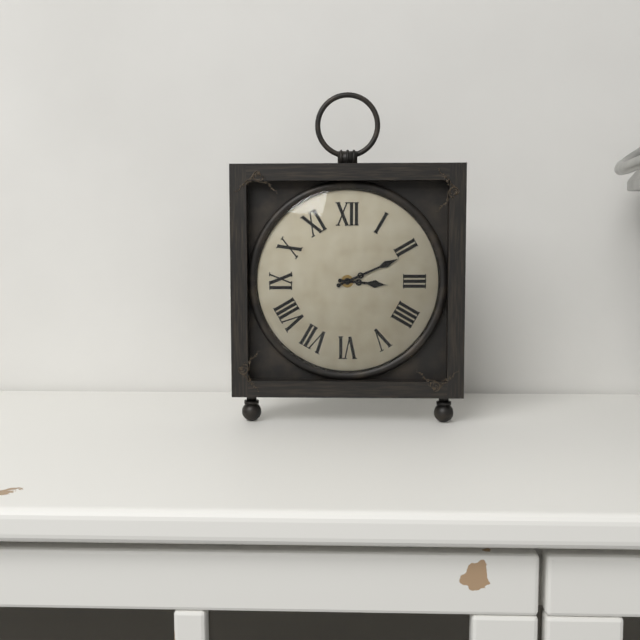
3:11
